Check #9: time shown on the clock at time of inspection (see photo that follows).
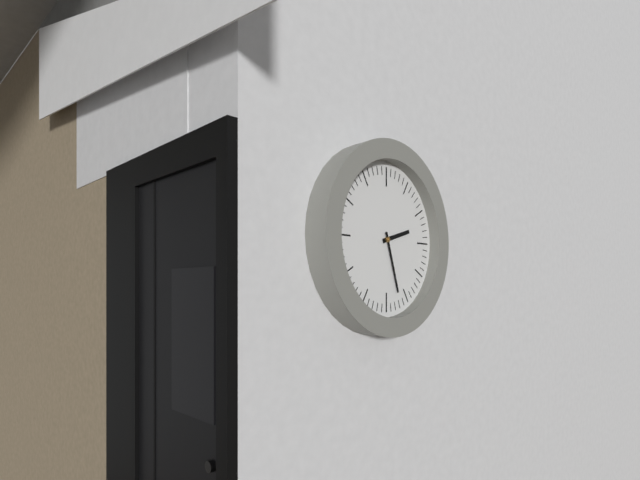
2:27
